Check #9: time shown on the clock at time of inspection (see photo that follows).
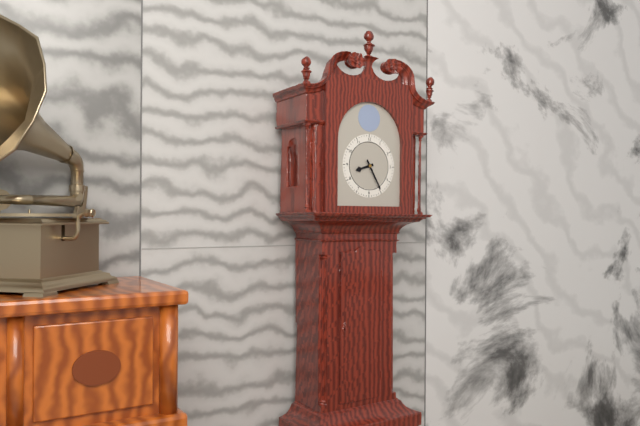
8:25
